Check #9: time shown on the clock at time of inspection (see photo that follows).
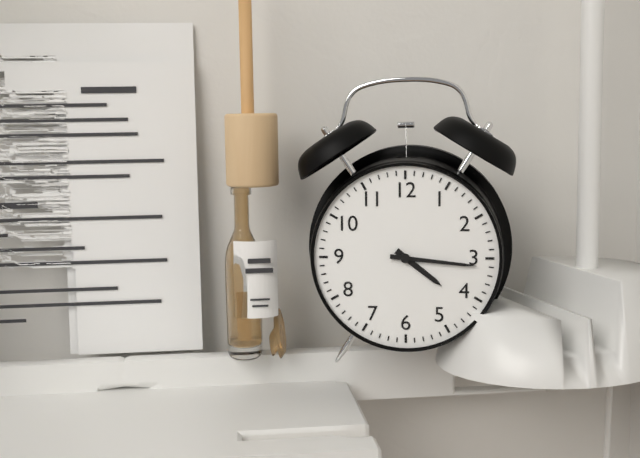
4:16
